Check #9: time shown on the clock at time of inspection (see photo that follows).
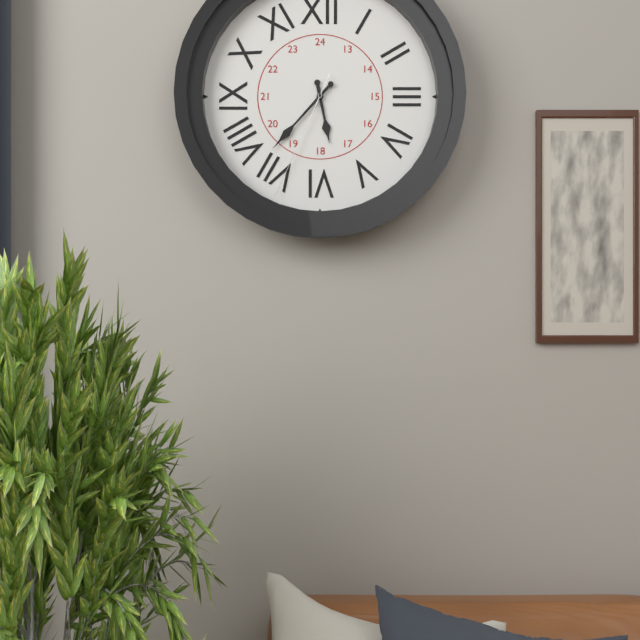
5:37:34
